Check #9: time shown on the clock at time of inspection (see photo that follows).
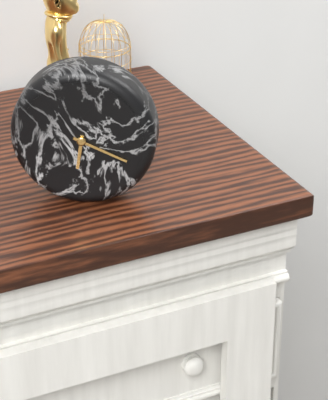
6:19
